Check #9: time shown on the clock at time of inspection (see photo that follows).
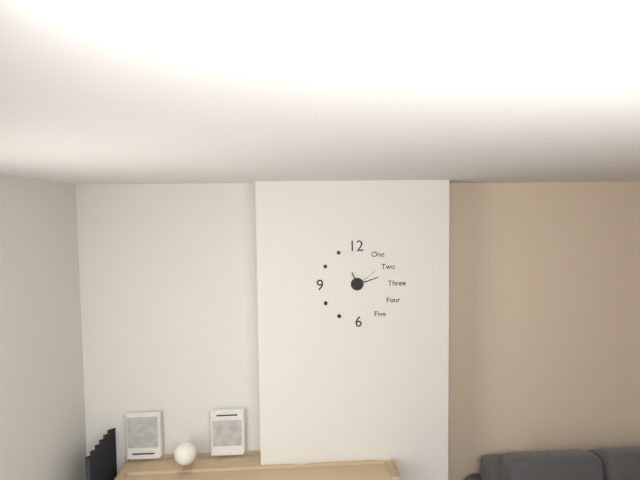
11:12
